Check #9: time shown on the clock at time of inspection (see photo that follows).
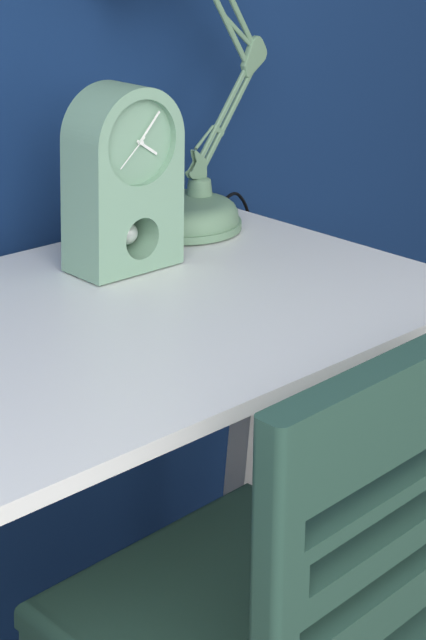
4:07
